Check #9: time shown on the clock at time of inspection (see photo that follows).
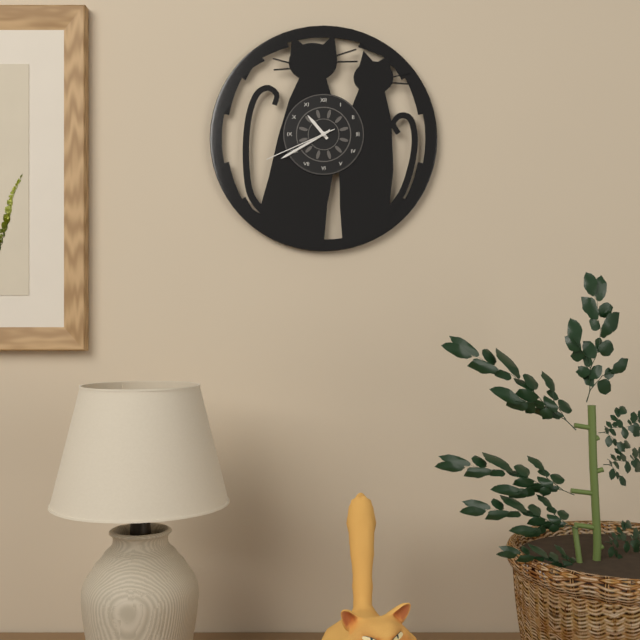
10:40:41
